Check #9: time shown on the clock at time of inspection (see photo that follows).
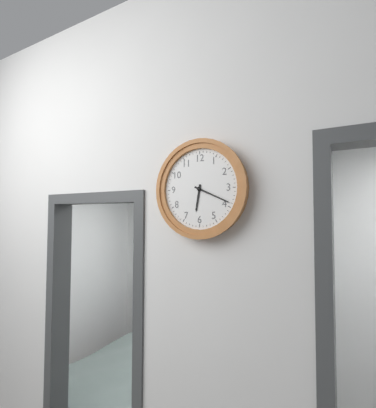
6:19
